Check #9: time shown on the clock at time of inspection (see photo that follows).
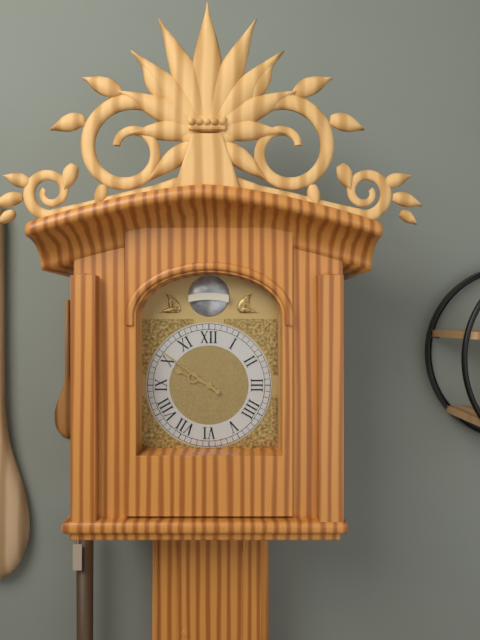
9:51
